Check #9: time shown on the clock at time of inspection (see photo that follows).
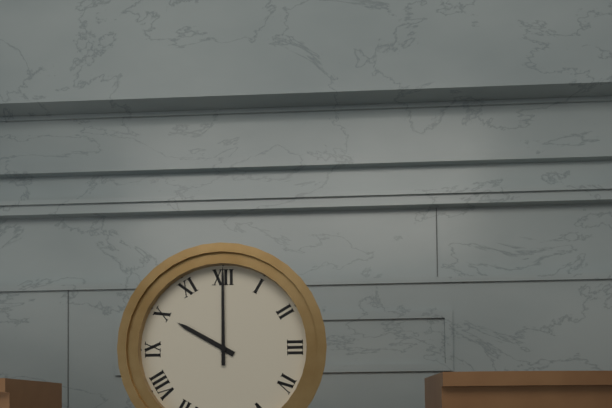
10:00
